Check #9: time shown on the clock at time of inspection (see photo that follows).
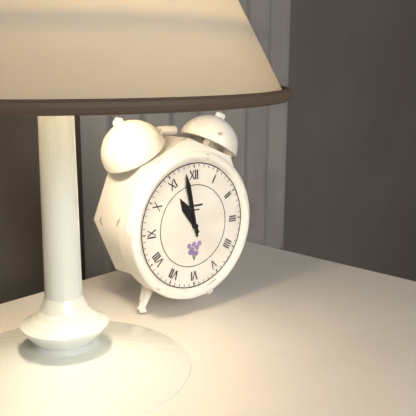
10:58
